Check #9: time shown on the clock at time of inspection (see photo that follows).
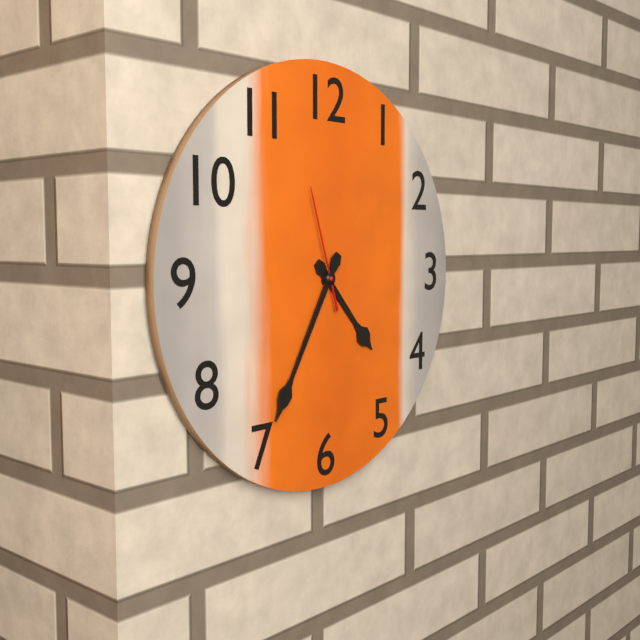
4:35:57
